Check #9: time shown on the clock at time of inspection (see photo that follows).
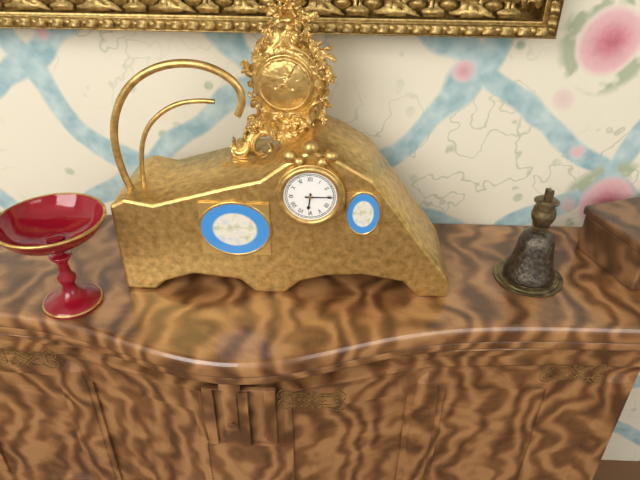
6:15
